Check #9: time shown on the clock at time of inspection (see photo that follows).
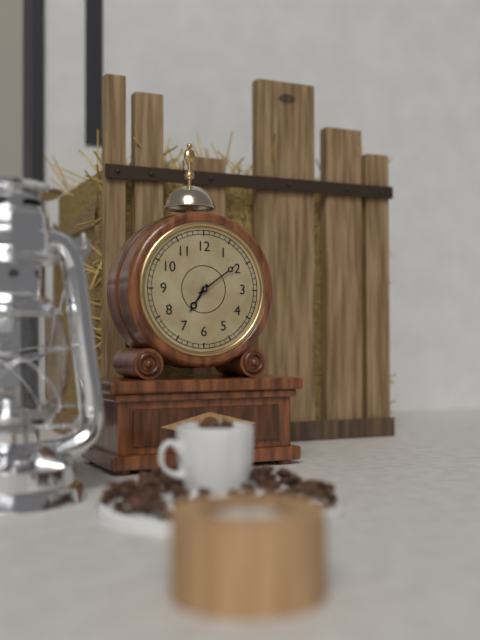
7:09
